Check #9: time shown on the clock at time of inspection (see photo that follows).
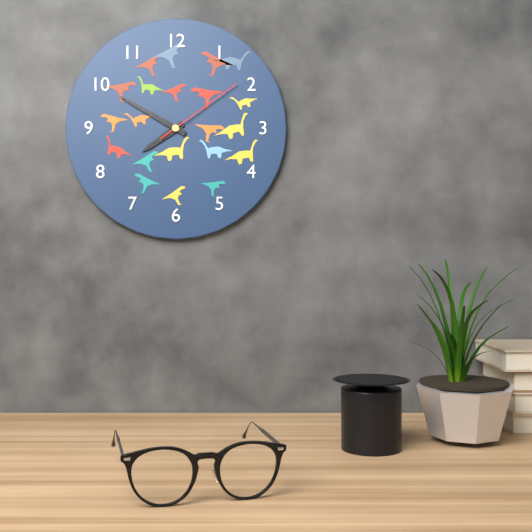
7:50:09
